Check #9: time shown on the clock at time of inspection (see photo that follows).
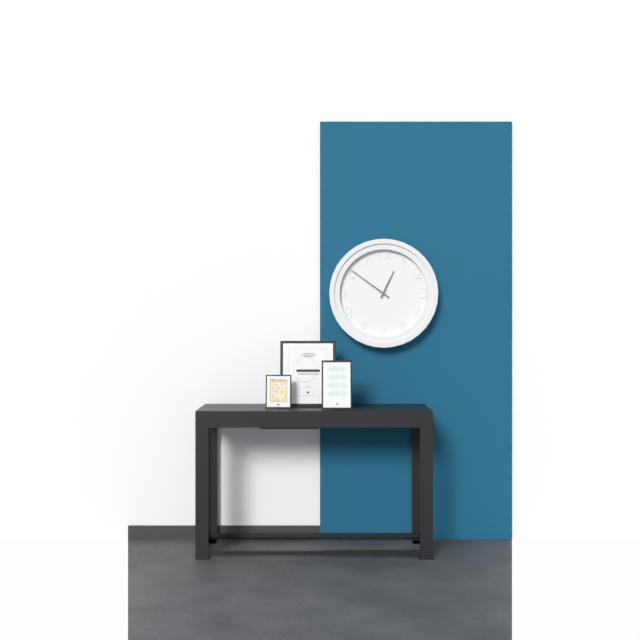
12:51
